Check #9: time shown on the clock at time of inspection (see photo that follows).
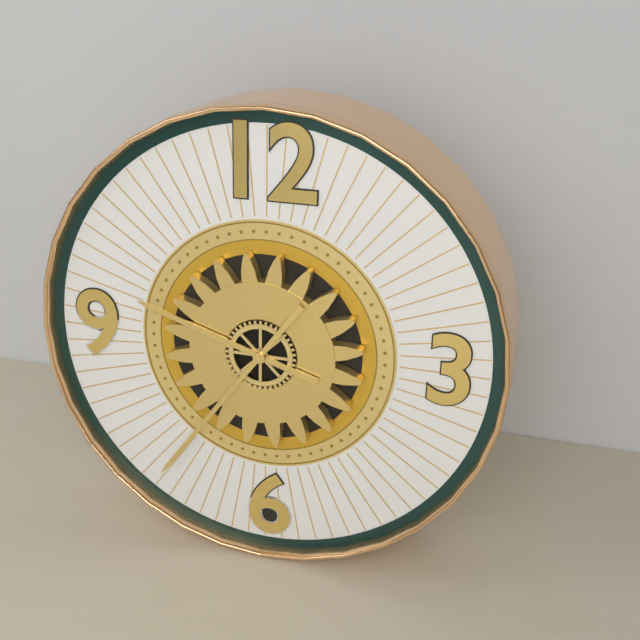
9:36
